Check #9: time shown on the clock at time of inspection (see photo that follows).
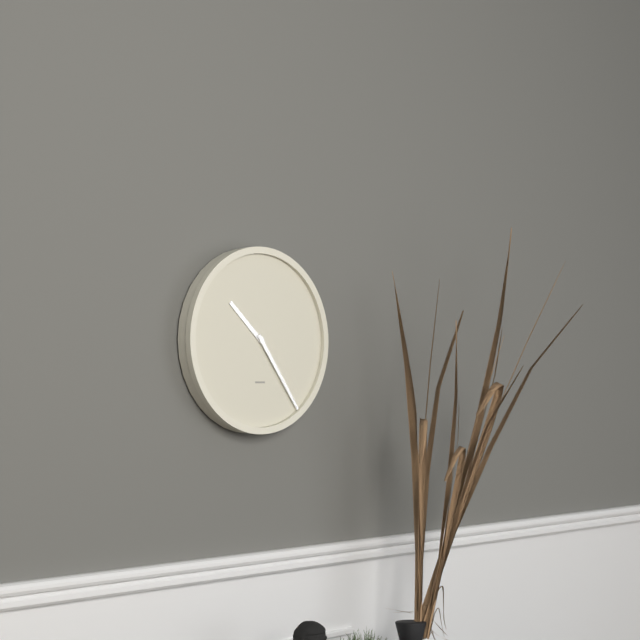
10:24
